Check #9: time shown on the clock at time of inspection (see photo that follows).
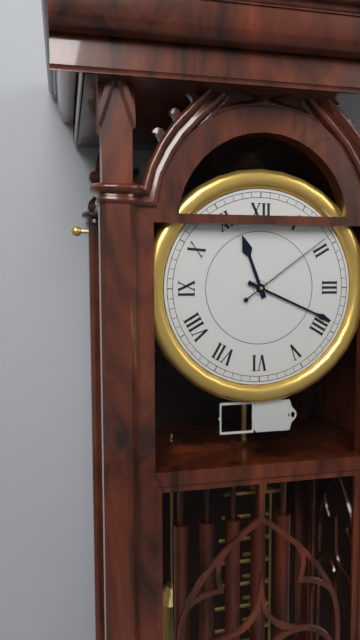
11:19:09
